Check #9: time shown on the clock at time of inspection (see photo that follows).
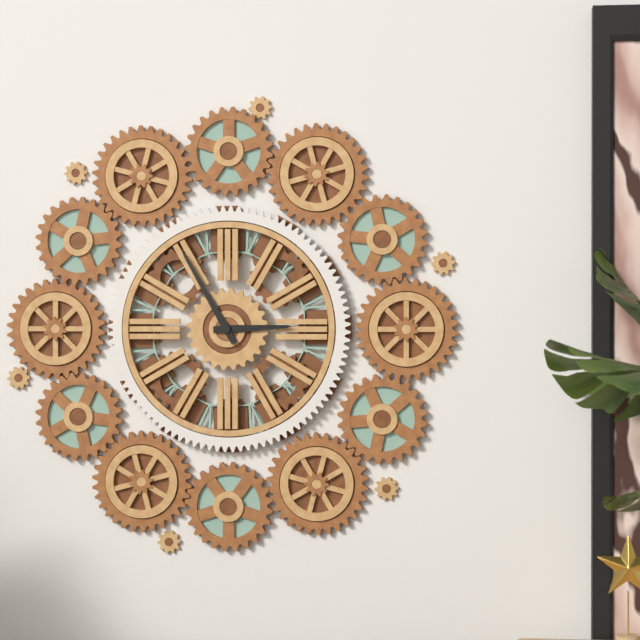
2:55
